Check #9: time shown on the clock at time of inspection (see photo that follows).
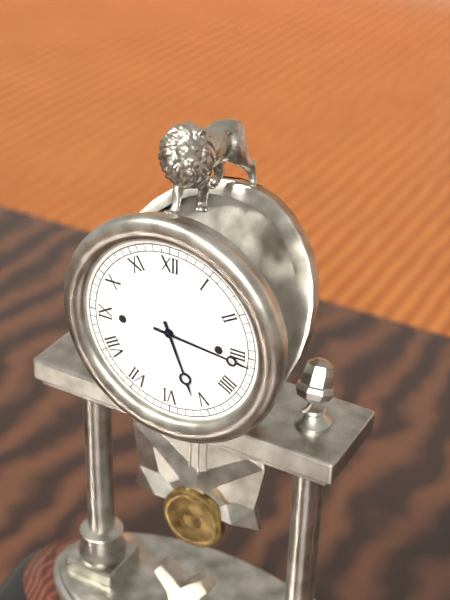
5:16
